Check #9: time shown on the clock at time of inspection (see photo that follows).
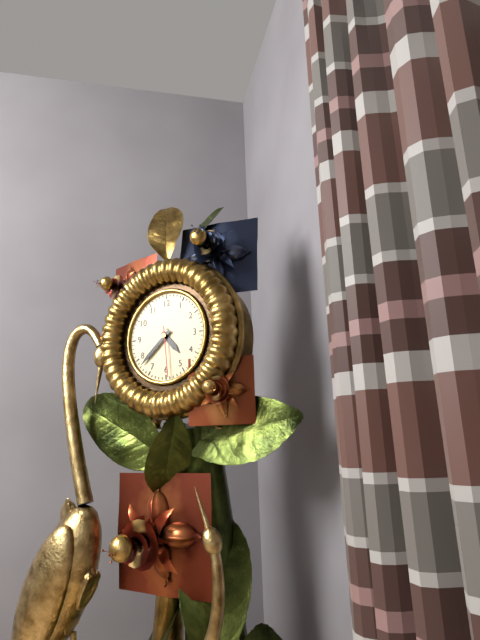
4:38:29
